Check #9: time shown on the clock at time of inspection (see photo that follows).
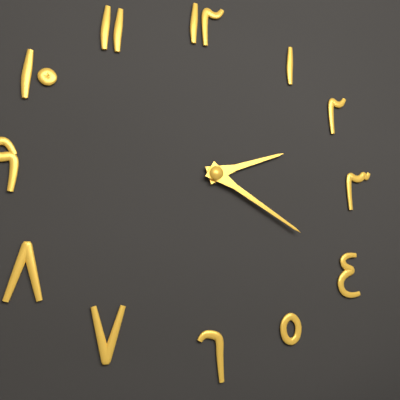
2:20
